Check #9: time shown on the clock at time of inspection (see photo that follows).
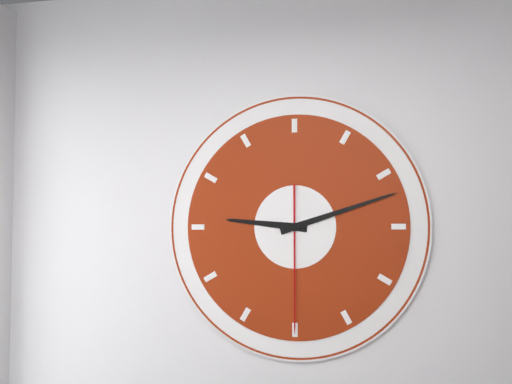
9:12:30
